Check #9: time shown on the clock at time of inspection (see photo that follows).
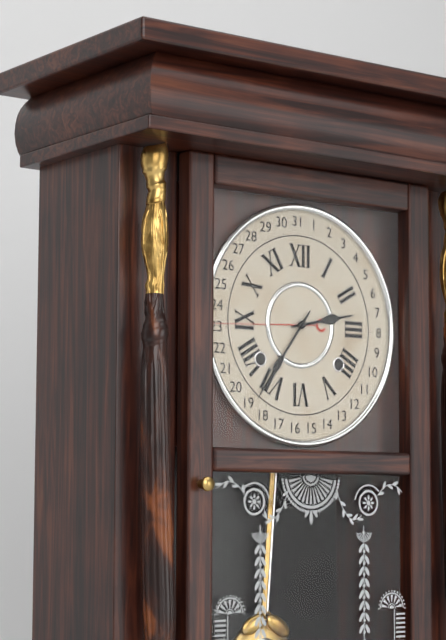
2:36
